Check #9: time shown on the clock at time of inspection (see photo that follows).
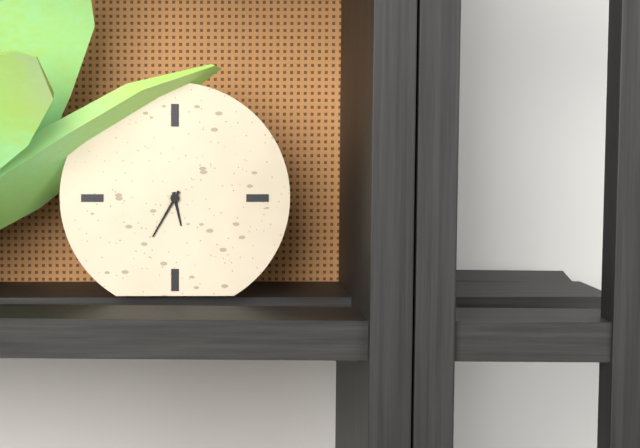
5:35
